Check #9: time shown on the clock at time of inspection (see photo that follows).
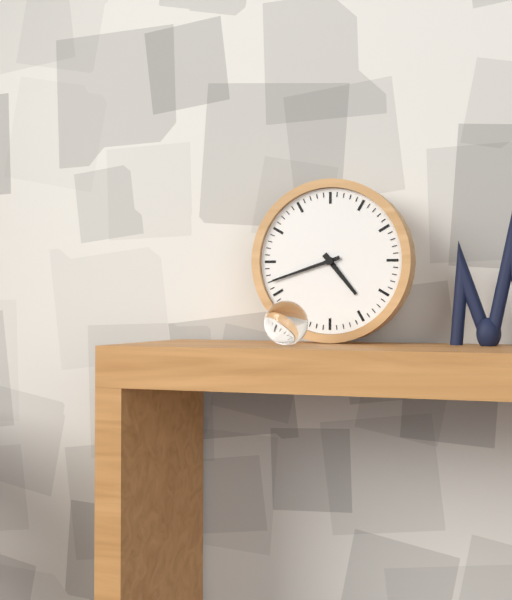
4:42
